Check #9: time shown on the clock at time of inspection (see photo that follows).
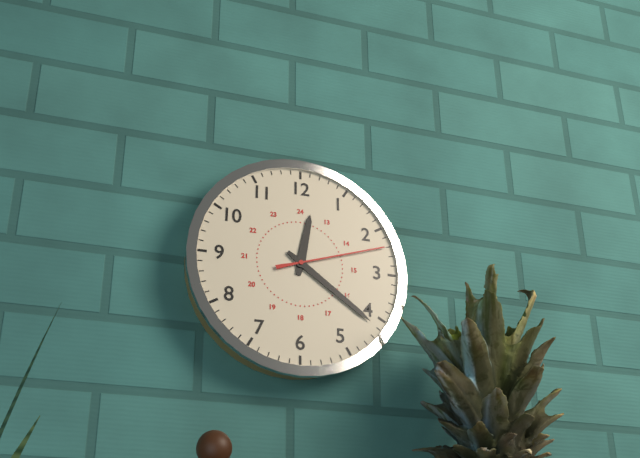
12:21:12
